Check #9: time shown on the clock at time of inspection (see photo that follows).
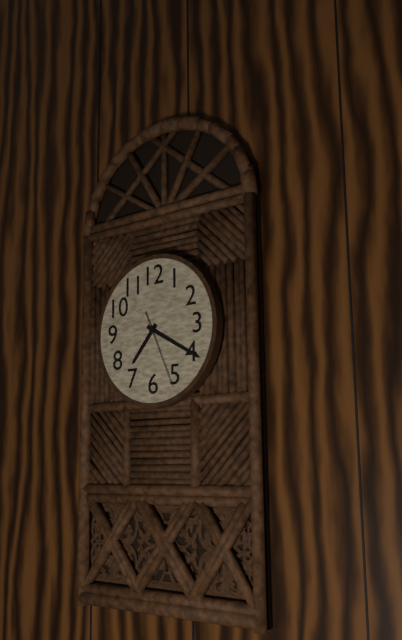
7:20:26
